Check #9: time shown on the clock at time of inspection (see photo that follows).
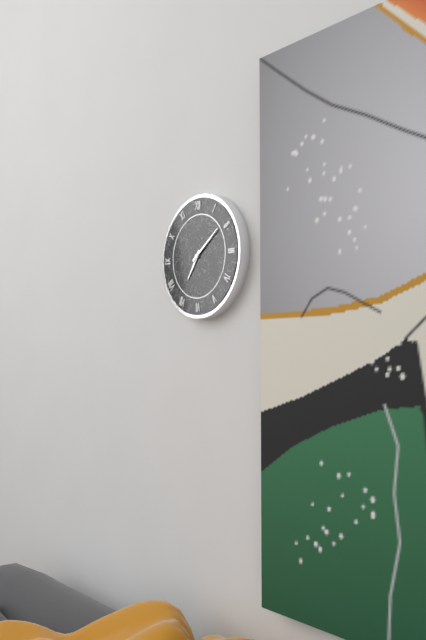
7:09
